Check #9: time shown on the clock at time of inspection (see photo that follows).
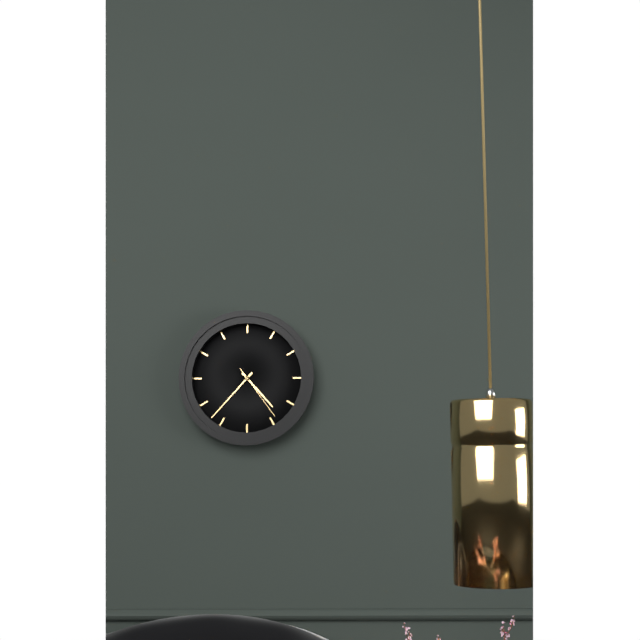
4:37:24
